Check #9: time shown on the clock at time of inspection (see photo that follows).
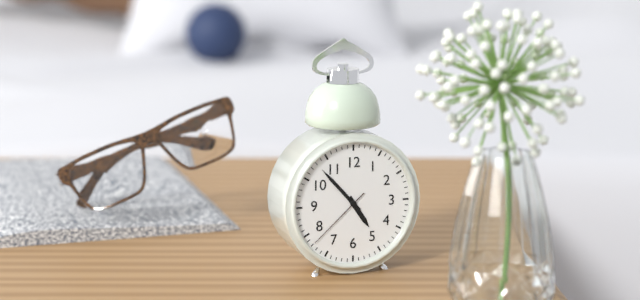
4:53:38
